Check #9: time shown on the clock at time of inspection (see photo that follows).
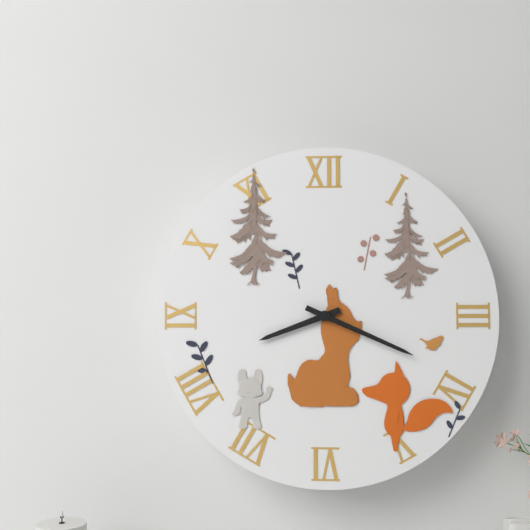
8:19
